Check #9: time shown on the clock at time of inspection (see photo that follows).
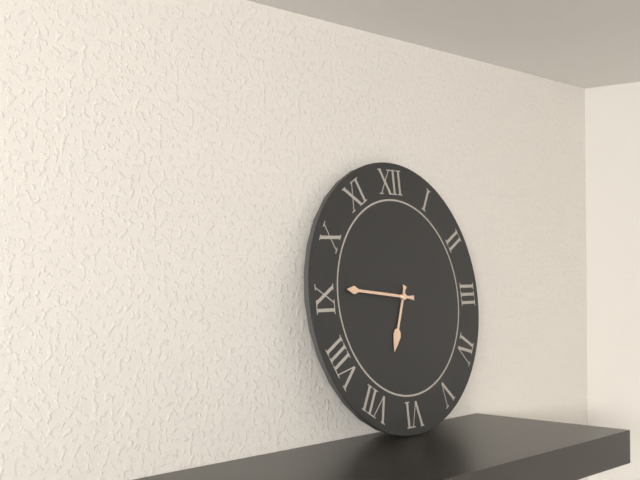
6:46
